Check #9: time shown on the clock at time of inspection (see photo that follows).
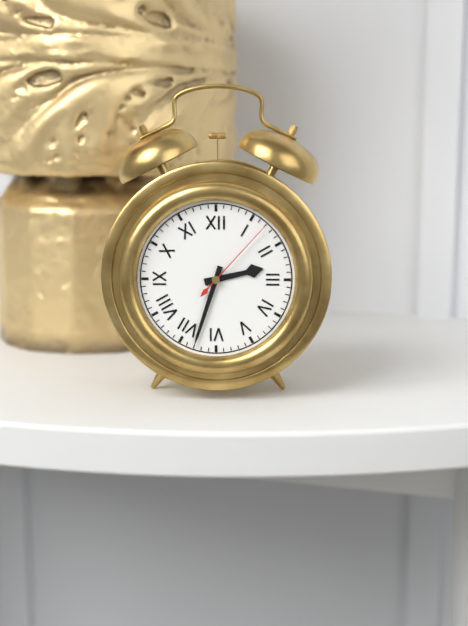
2:33:07
